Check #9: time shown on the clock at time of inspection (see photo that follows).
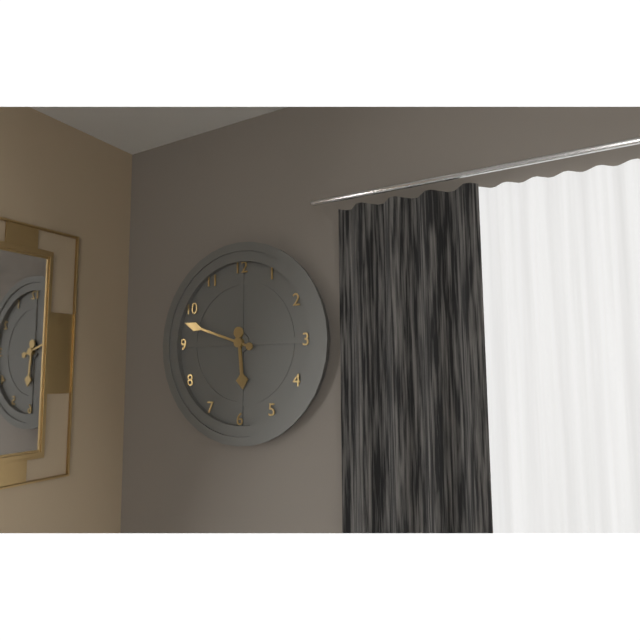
5:48
